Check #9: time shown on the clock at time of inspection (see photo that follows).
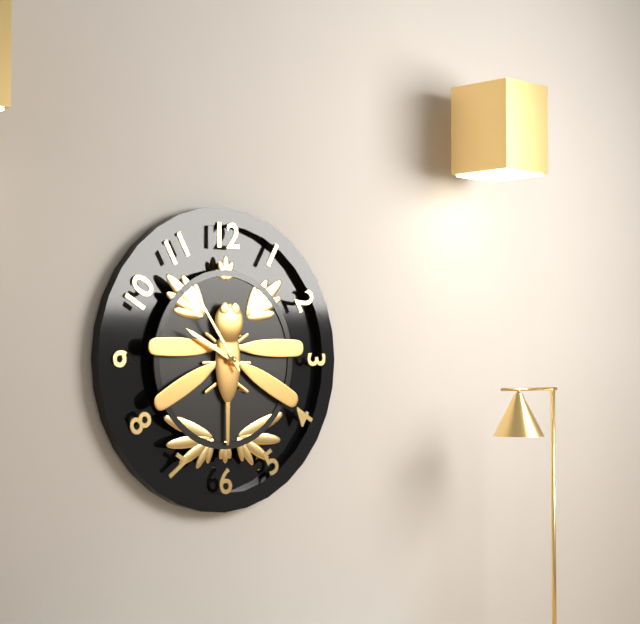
9:54
